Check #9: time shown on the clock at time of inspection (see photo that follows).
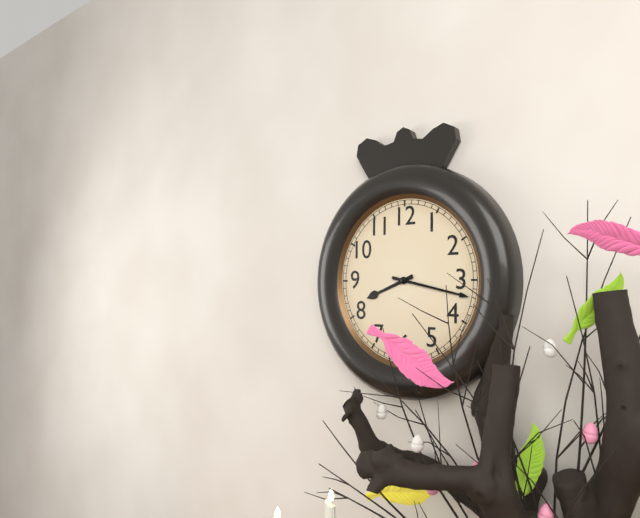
8:17
